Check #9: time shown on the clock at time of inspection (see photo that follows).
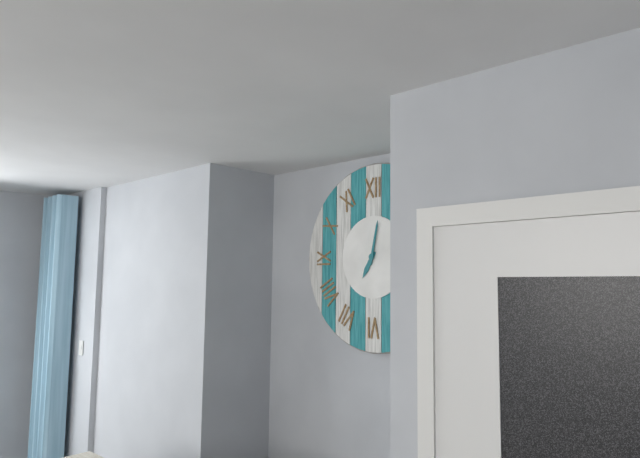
7:02
